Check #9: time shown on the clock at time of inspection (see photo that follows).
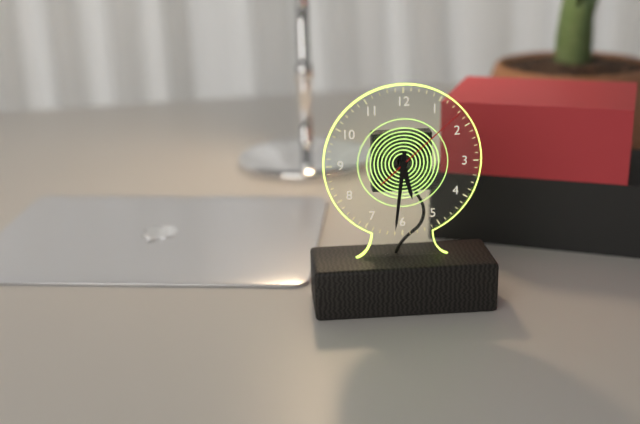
5:31:08
